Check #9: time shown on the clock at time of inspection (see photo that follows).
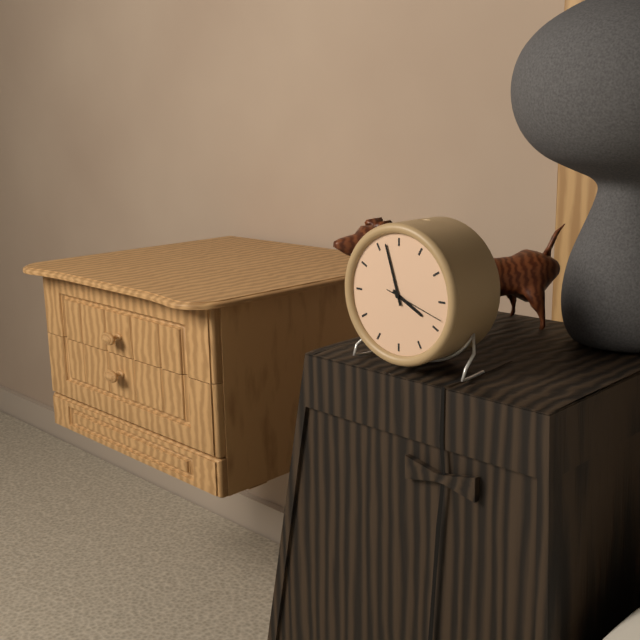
3:57:18
